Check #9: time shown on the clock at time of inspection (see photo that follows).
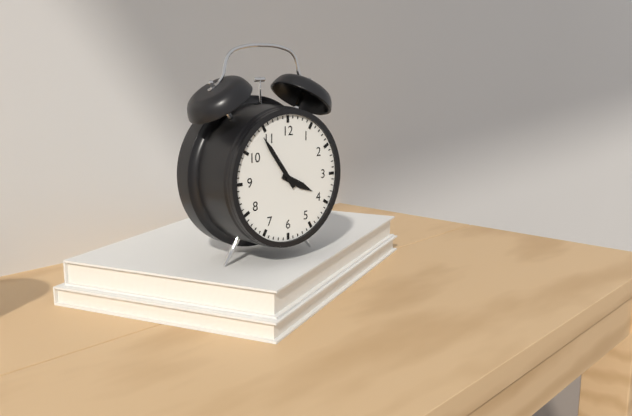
3:54
